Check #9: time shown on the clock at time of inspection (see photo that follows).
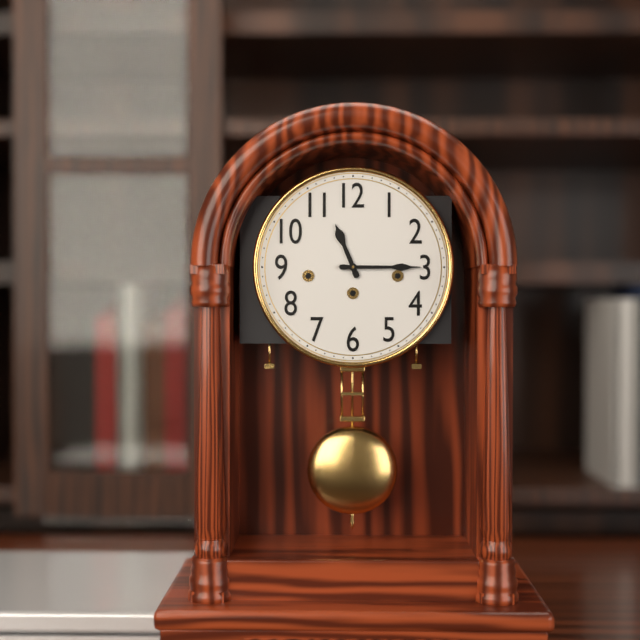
11:15
